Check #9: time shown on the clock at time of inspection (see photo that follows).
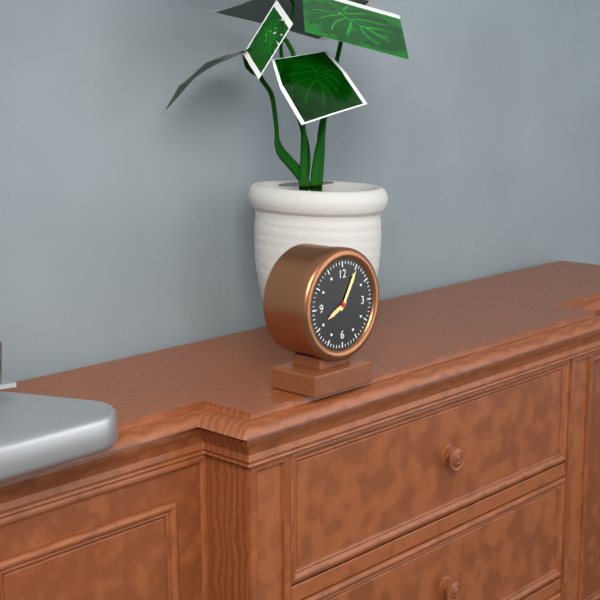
8:05
